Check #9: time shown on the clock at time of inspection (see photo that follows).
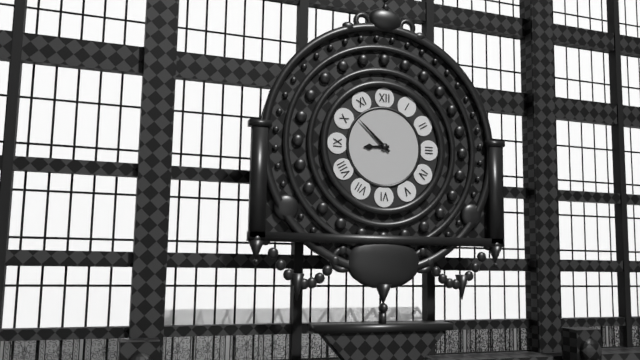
8:52
